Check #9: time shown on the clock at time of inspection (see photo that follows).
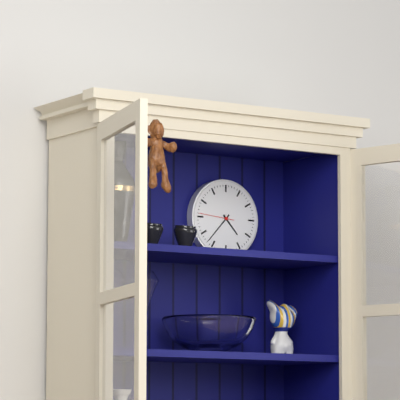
4:37
